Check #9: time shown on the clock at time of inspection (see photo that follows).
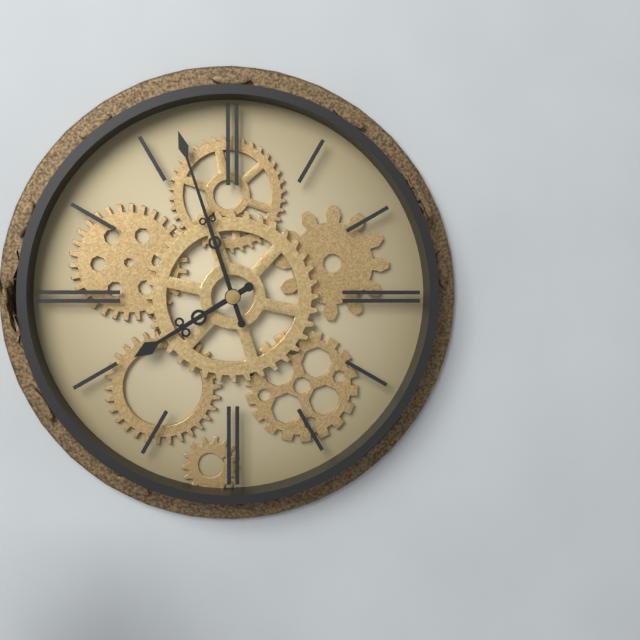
7:57
